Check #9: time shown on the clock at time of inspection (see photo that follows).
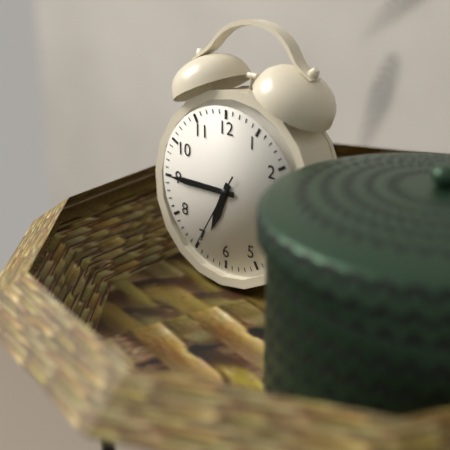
6:45:35
